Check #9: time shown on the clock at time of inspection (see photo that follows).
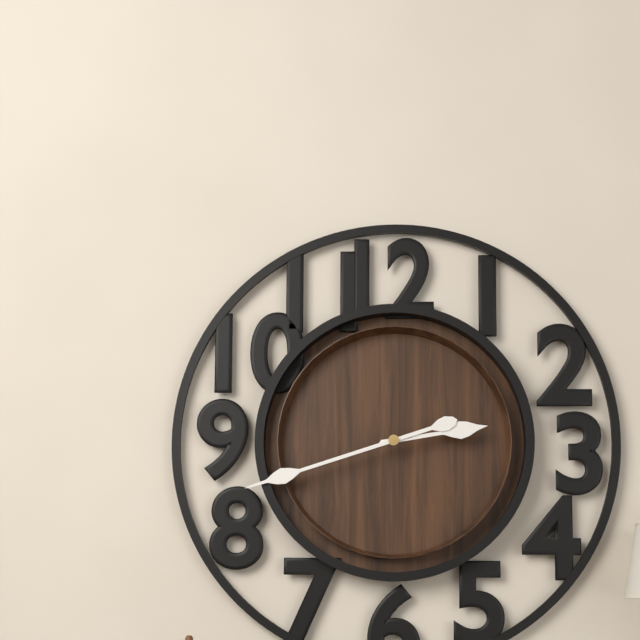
2:42
